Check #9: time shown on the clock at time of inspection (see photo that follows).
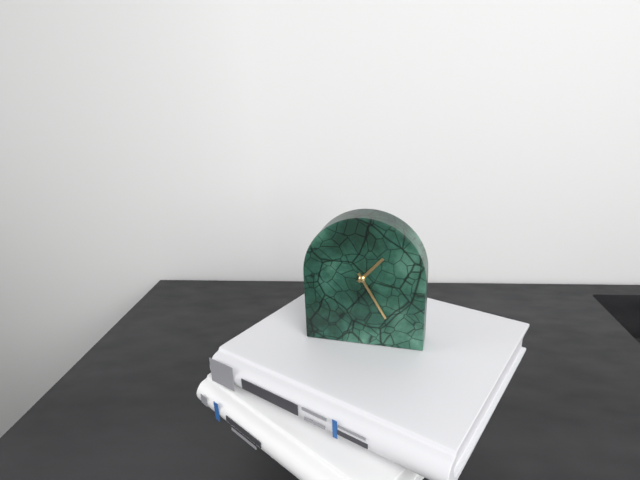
1:25
